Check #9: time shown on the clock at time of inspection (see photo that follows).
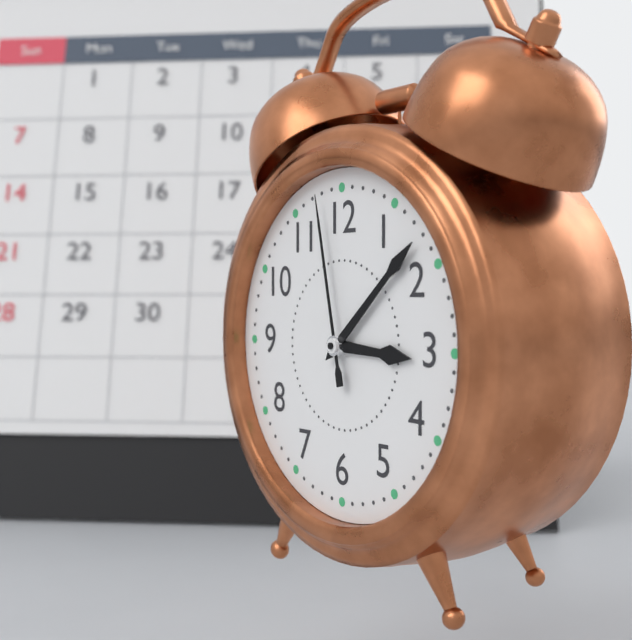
3:08:58
